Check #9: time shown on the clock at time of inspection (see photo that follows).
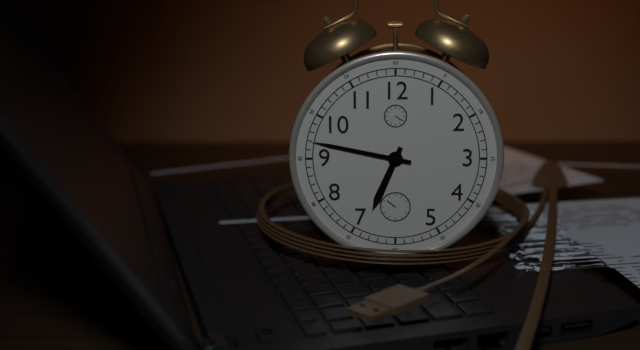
6:47
